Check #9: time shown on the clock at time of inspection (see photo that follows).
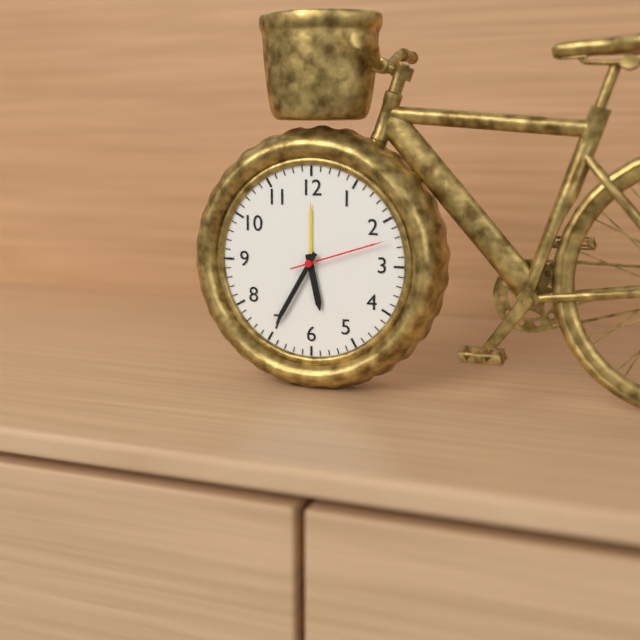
5:35:12
